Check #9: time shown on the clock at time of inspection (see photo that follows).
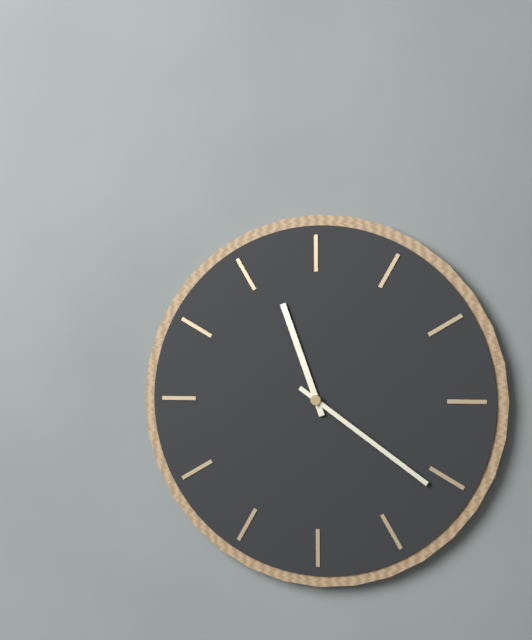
11:21
